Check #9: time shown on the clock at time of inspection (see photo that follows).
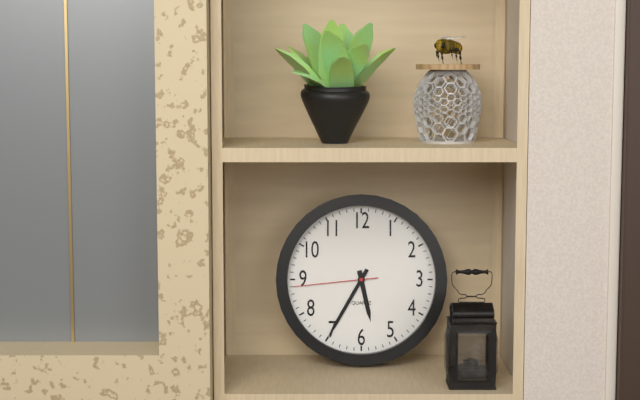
5:35:44
